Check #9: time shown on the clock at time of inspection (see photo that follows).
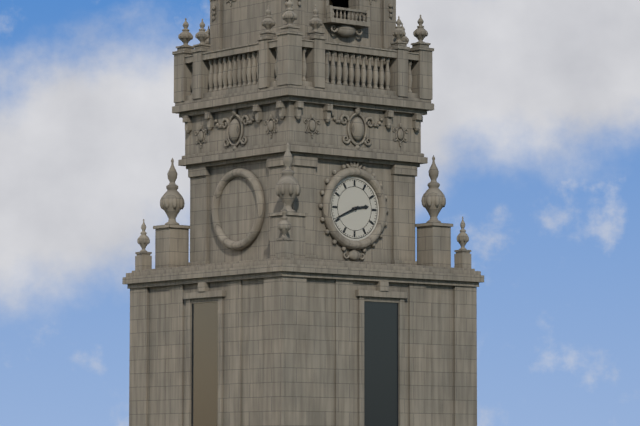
2:41
